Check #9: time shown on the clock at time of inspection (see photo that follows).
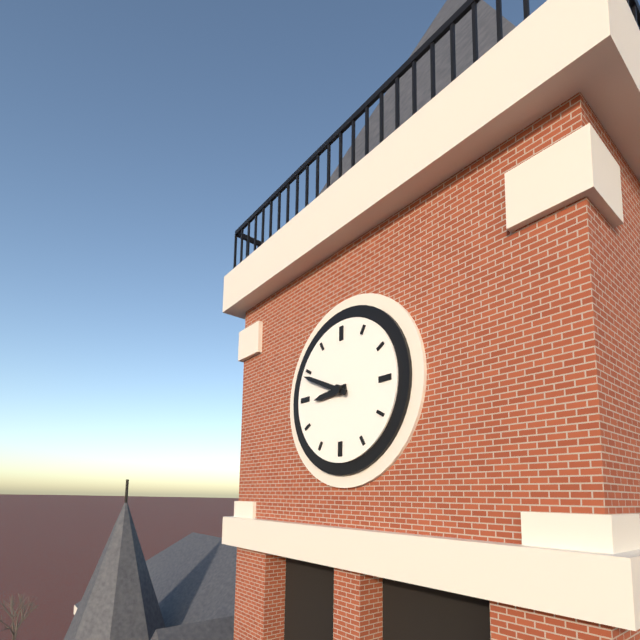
8:49
